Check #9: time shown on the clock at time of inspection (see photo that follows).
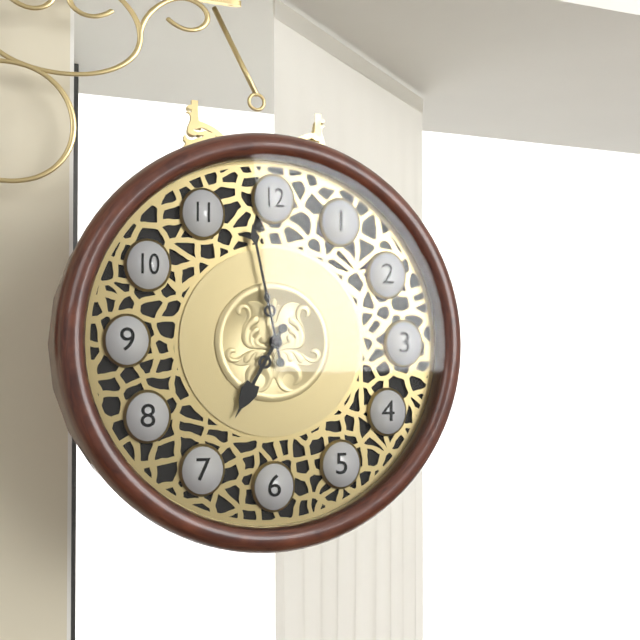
6:58
